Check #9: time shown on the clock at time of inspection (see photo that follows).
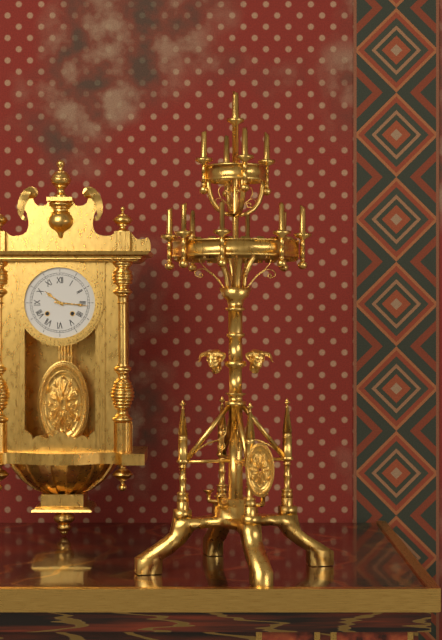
10:16
